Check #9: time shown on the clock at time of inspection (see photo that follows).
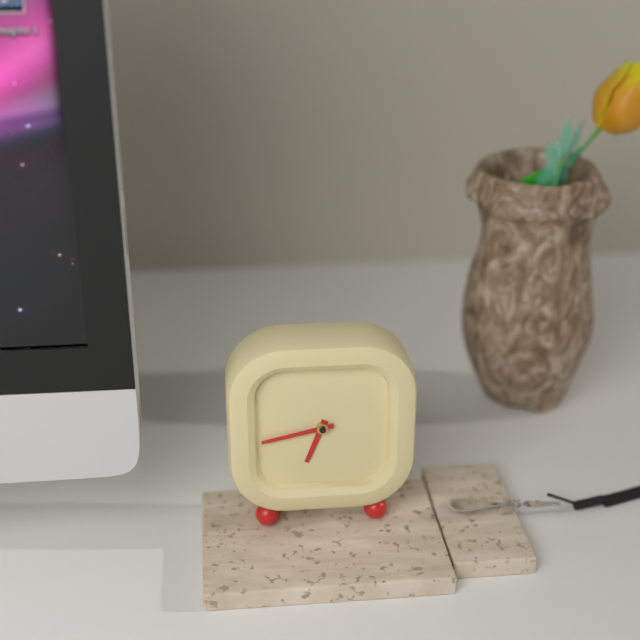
6:43
